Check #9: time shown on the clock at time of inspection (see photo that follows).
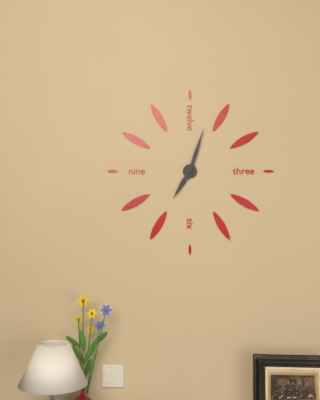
7:03
